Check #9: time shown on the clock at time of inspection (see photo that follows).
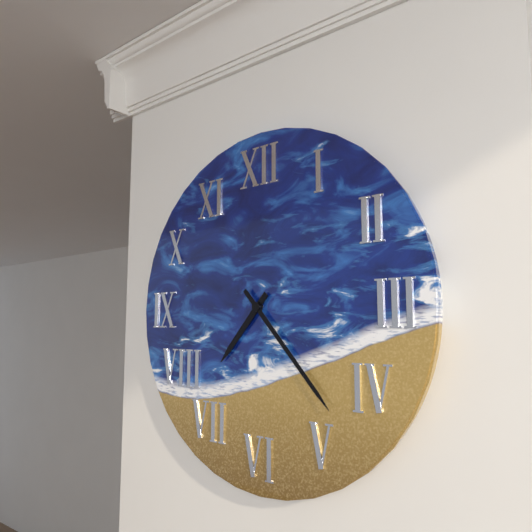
7:23
